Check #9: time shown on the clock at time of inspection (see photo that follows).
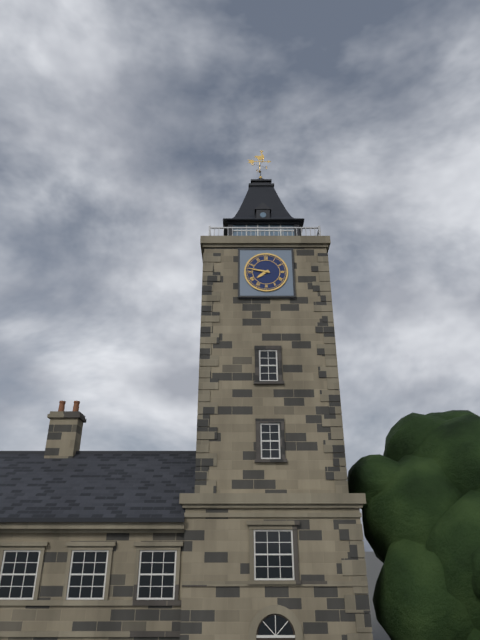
7:47
